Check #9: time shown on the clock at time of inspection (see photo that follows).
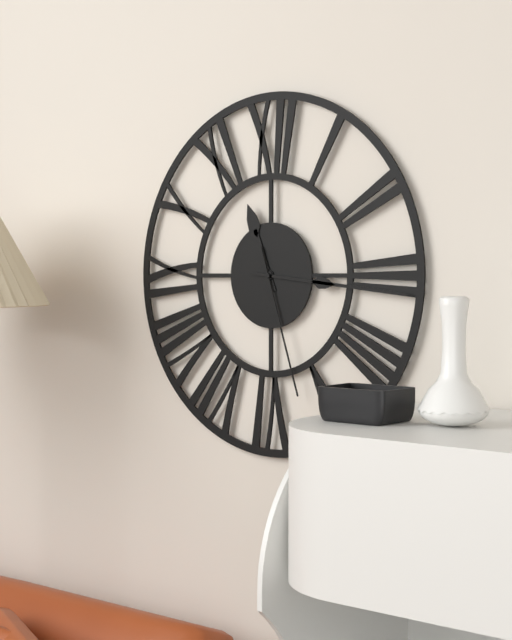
11:16:27
